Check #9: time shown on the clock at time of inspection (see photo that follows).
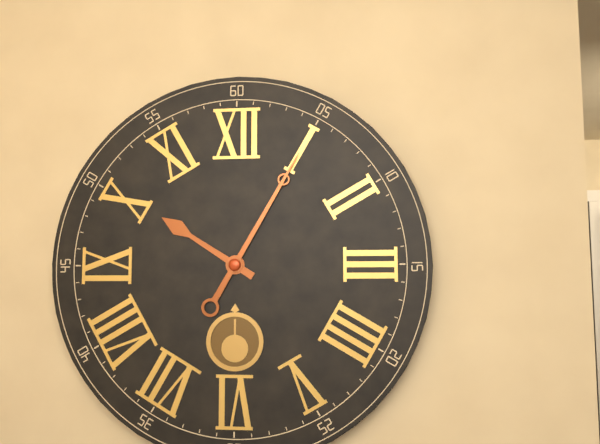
10:05
